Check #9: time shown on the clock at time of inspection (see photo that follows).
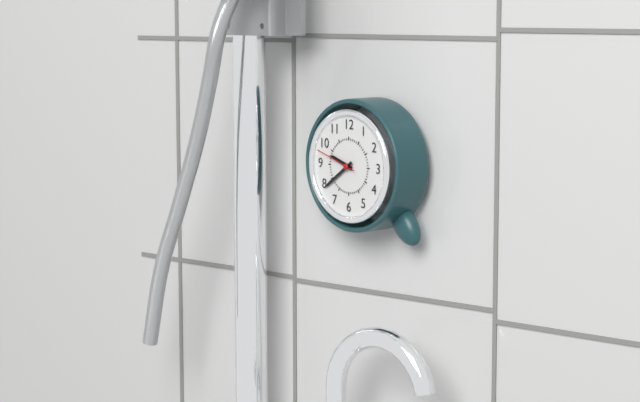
9:39
